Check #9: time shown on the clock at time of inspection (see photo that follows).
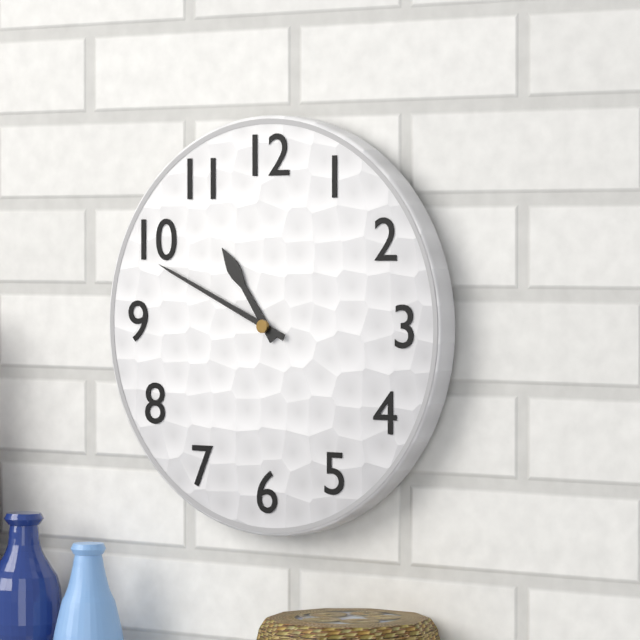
10:49
